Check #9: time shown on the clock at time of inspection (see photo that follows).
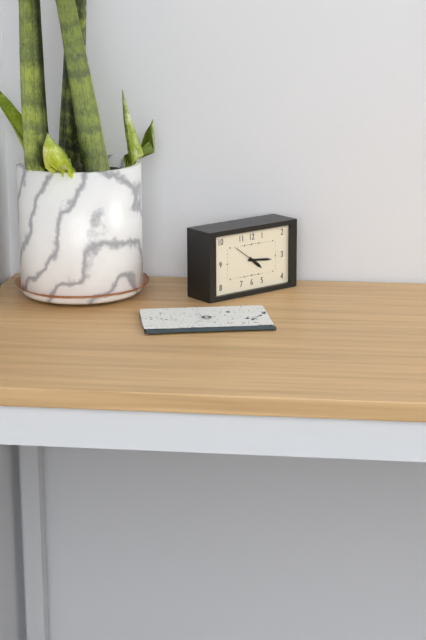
4:16
